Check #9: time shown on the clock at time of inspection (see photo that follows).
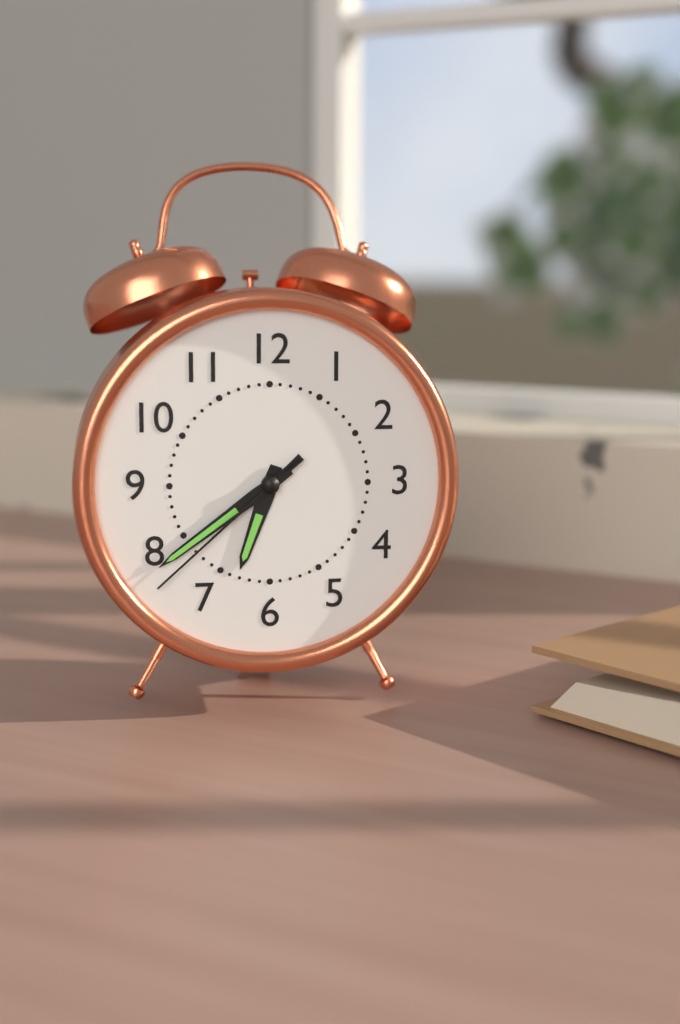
6:39:38
